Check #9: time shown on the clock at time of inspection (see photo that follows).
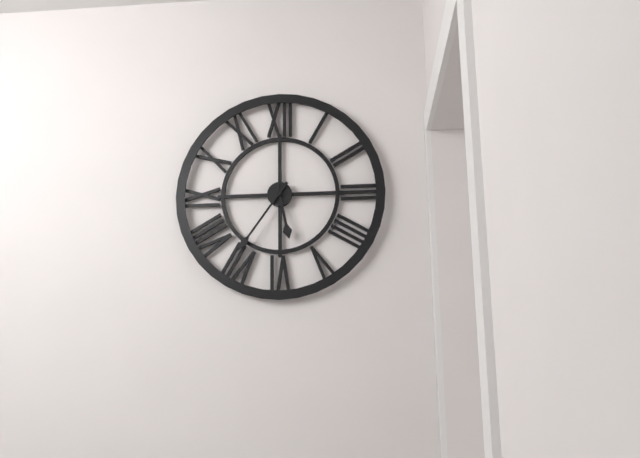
5:36
